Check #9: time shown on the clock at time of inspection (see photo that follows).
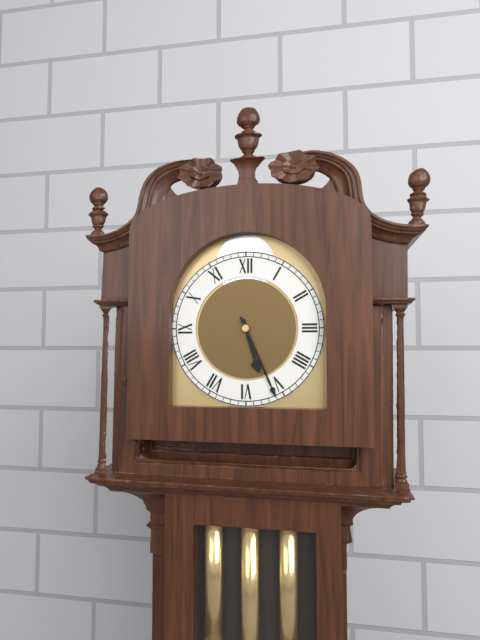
5:26
